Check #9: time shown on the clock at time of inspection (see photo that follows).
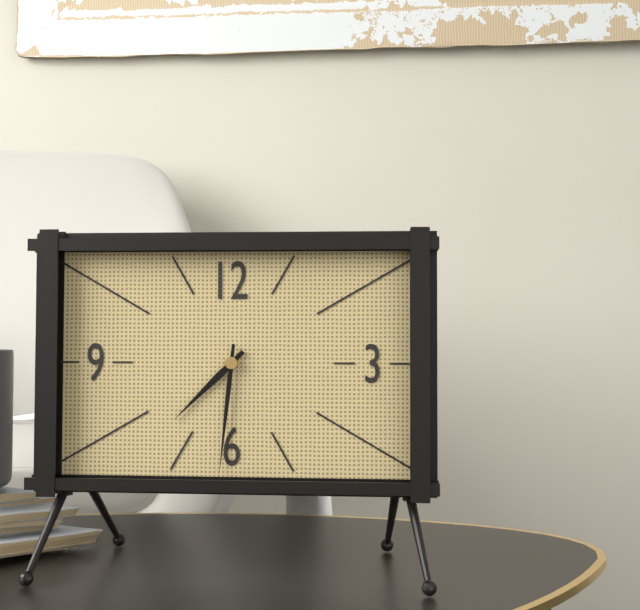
7:31
